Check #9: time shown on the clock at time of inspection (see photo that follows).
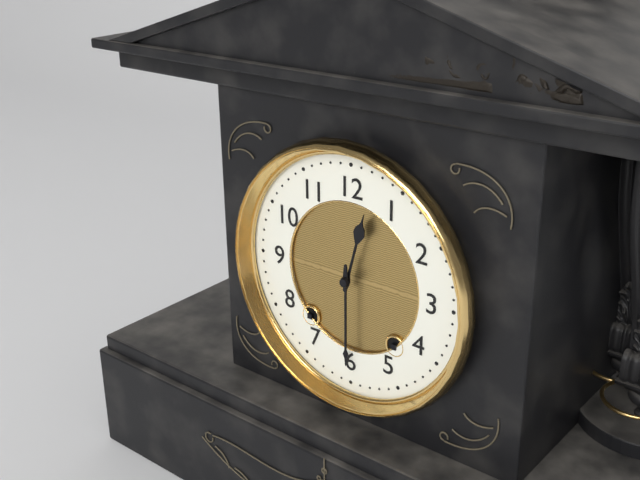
12:30
